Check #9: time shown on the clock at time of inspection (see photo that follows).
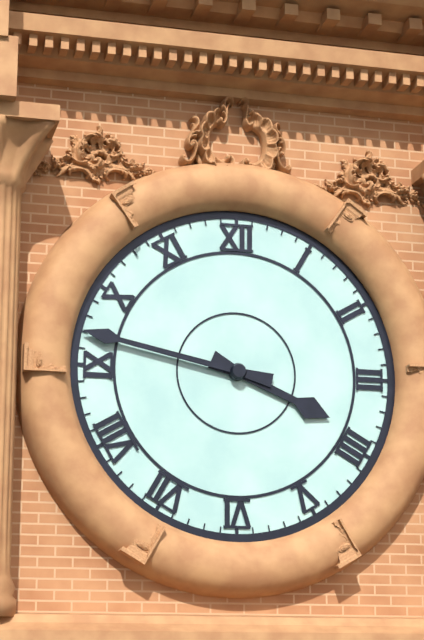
3:47
